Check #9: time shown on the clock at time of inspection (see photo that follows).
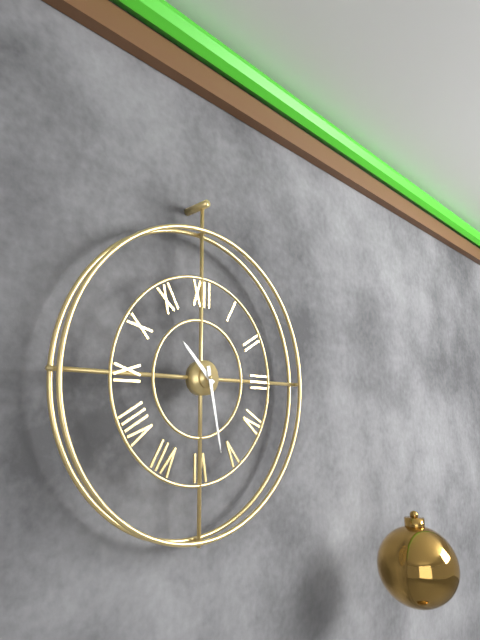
10:28
